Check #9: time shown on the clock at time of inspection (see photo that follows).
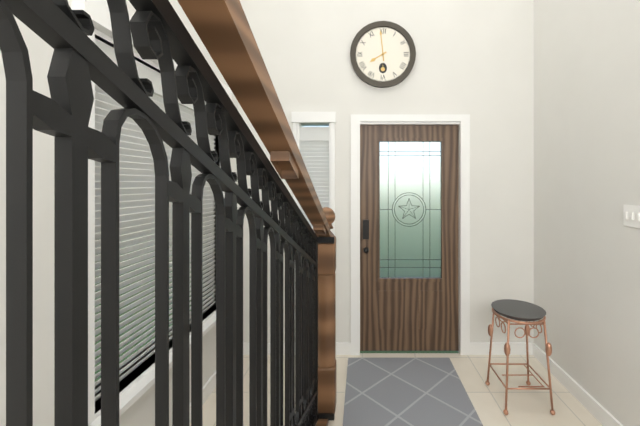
7:59
